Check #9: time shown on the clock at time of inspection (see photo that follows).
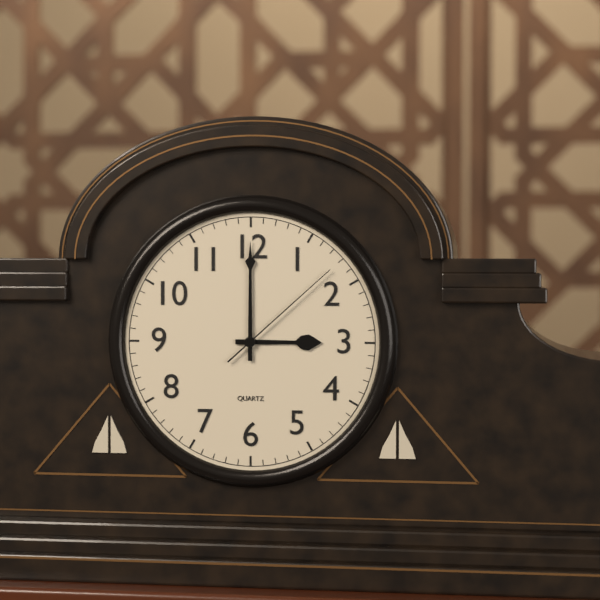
3:00:08
